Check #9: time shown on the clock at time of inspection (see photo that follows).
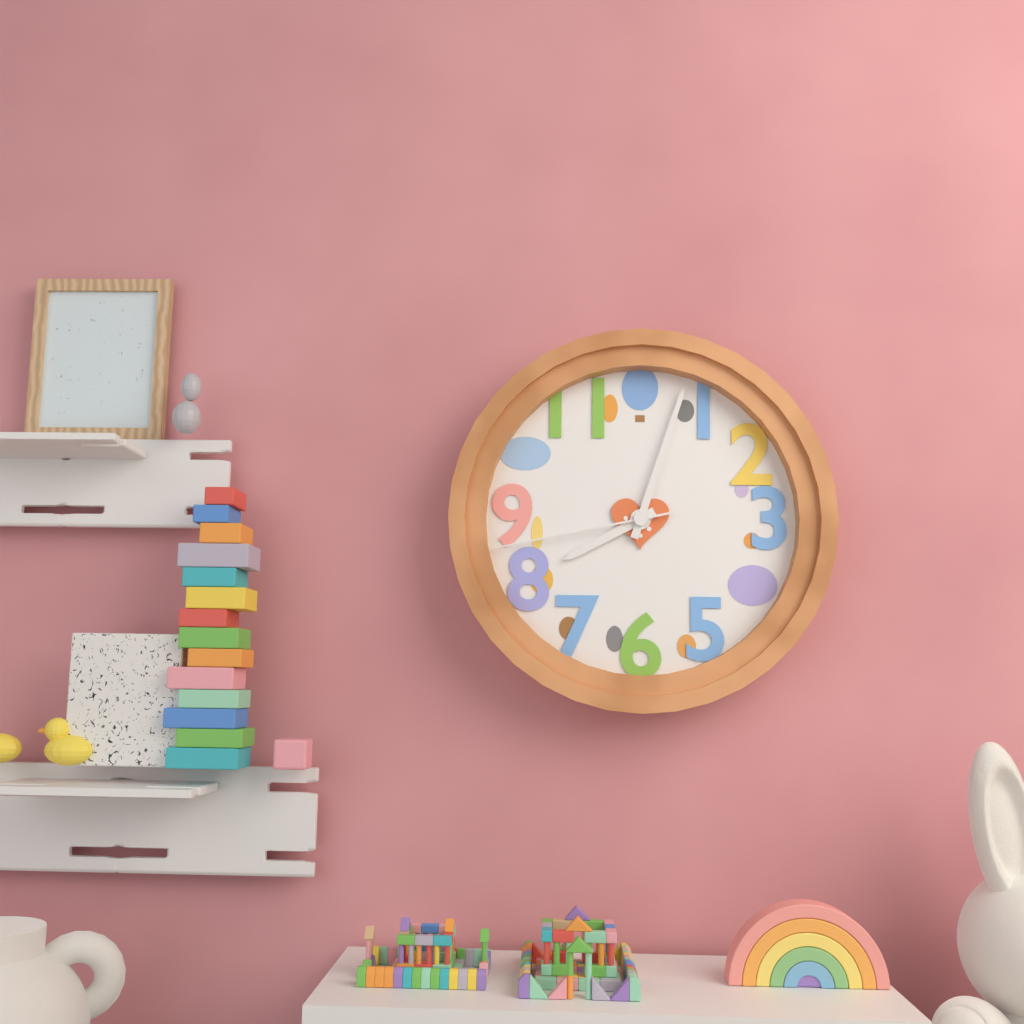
8:03:43
